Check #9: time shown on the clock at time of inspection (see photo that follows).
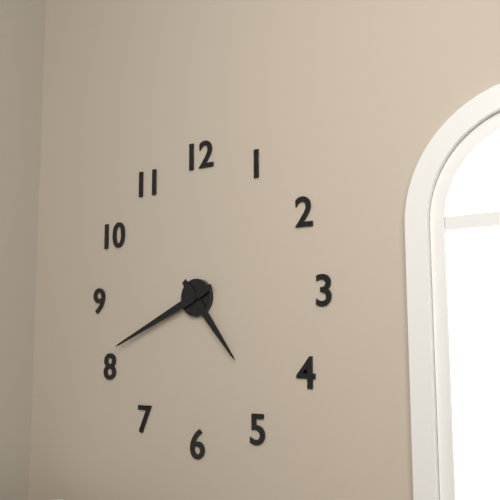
4:41
